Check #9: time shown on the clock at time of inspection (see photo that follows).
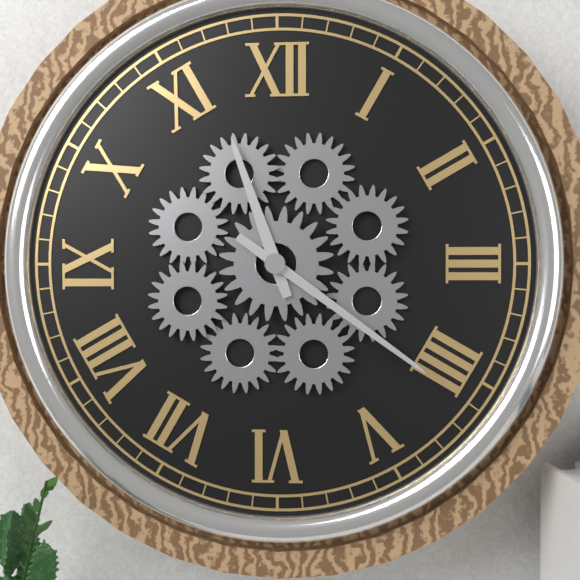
11:21
